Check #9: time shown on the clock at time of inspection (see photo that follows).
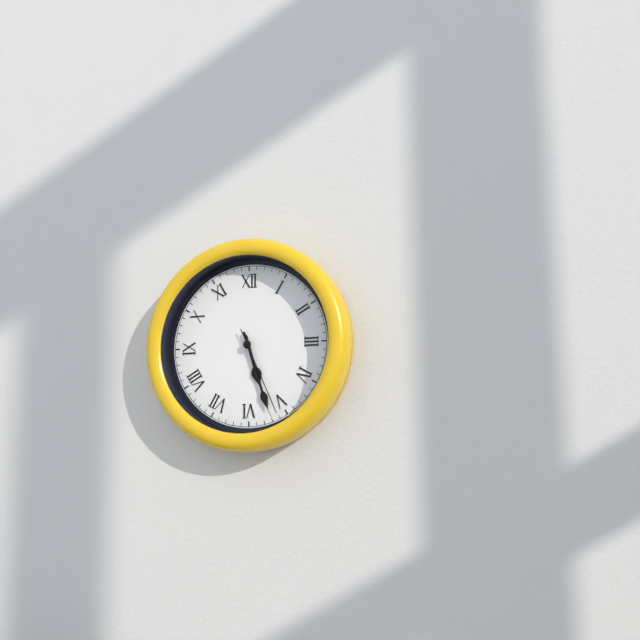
5:27:26
